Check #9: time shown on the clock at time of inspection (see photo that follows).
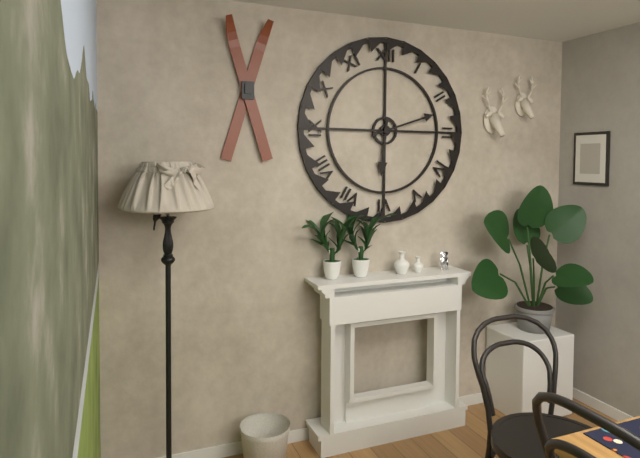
6:12
